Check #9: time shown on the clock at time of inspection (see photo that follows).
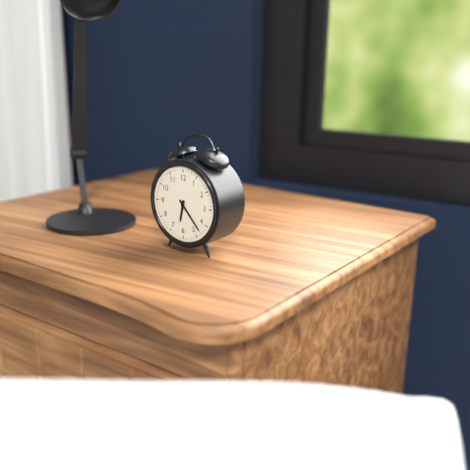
6:23
